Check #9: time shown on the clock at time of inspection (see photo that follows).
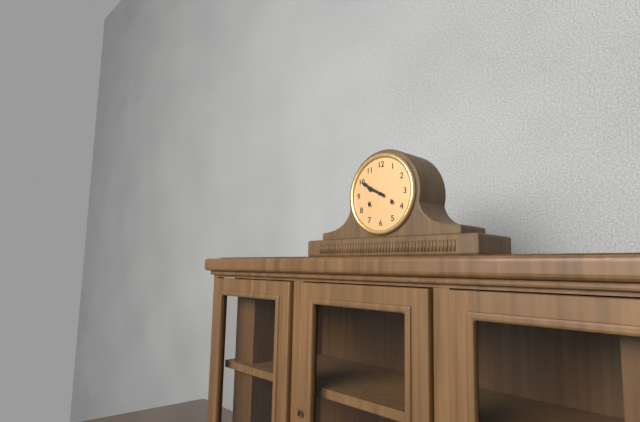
9:50
